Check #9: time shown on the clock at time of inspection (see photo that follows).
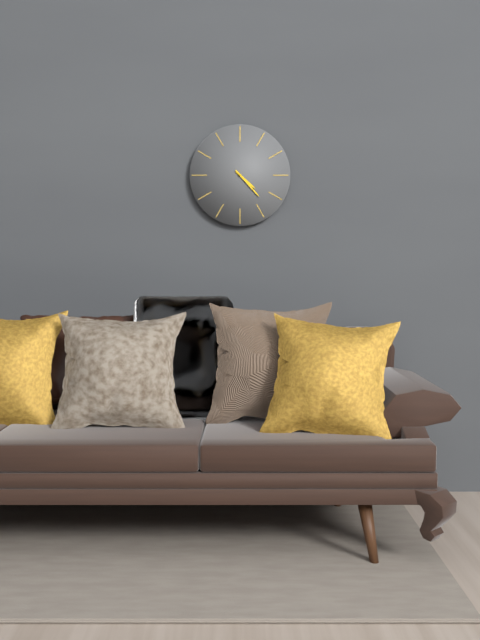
4:23
